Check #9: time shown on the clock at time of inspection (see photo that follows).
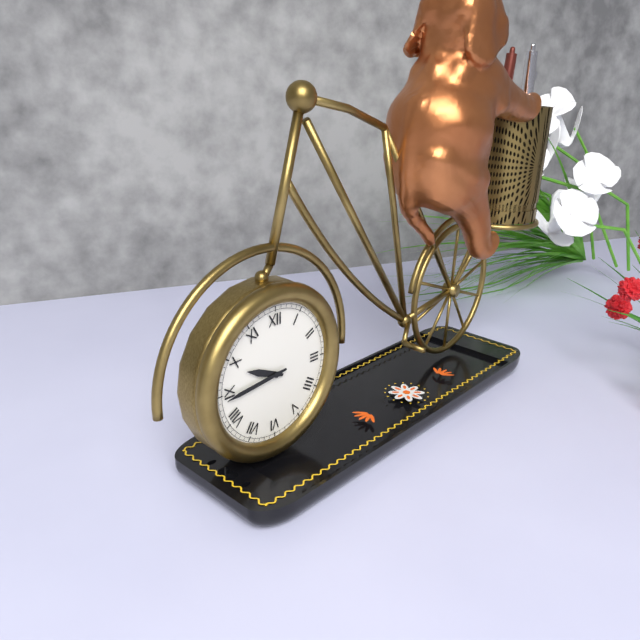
9:44
